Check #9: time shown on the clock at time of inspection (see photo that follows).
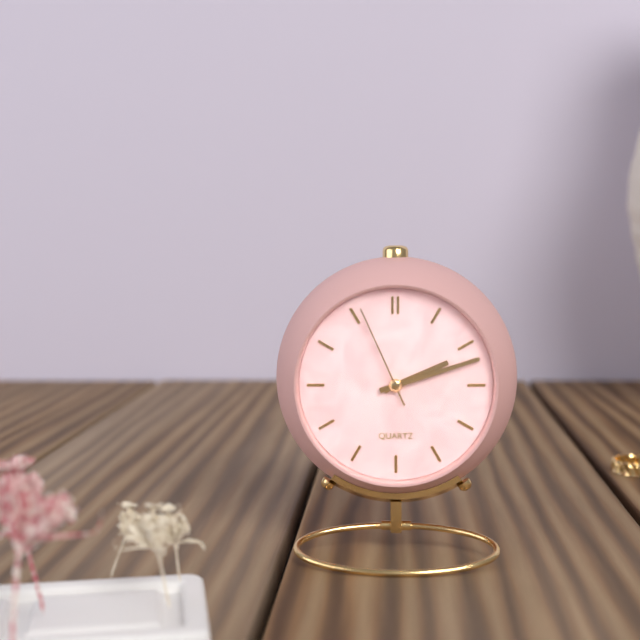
2:12:56
